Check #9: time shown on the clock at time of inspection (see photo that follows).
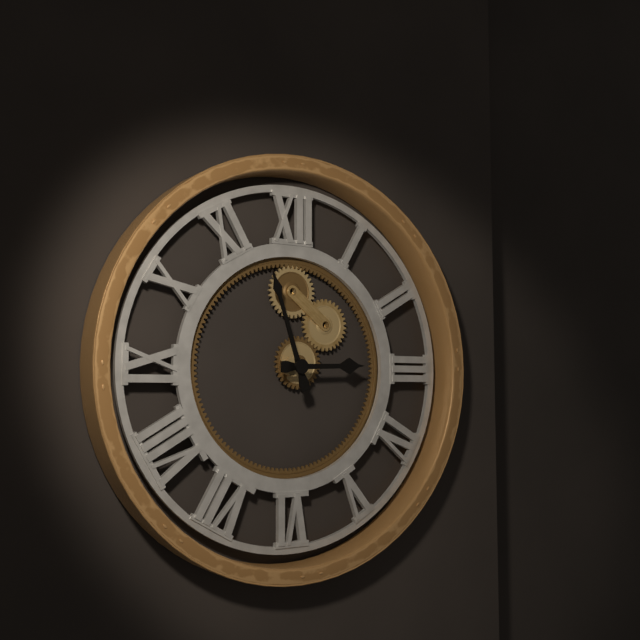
2:57
